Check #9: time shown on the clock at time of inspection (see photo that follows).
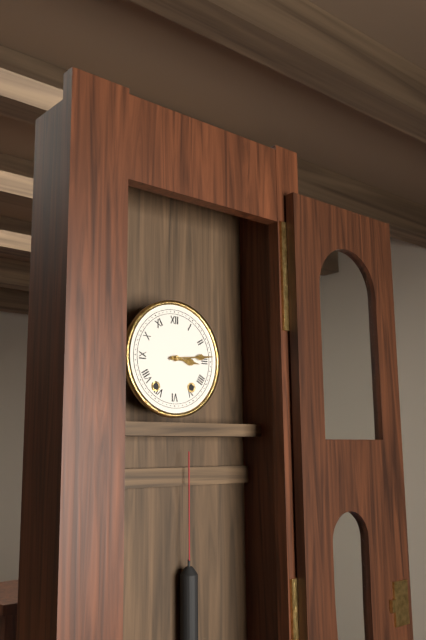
3:14
